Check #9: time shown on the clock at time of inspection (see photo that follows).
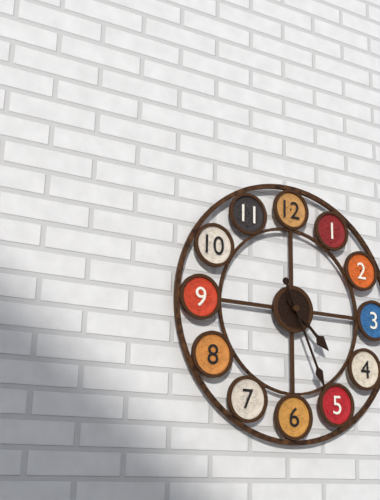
4:26
